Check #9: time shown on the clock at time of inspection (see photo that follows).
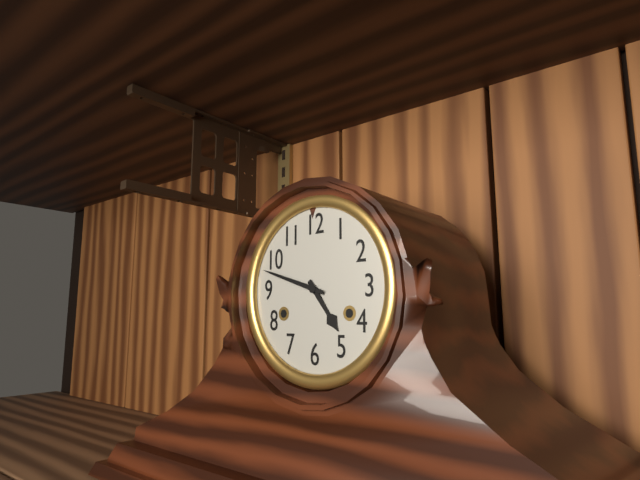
4:48
